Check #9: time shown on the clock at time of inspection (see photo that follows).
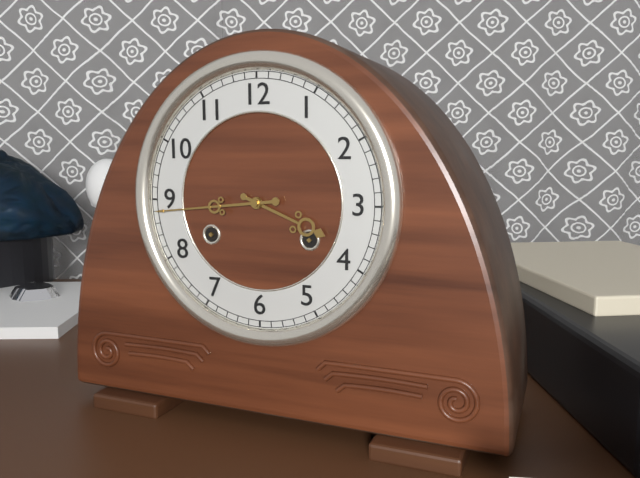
3:44
